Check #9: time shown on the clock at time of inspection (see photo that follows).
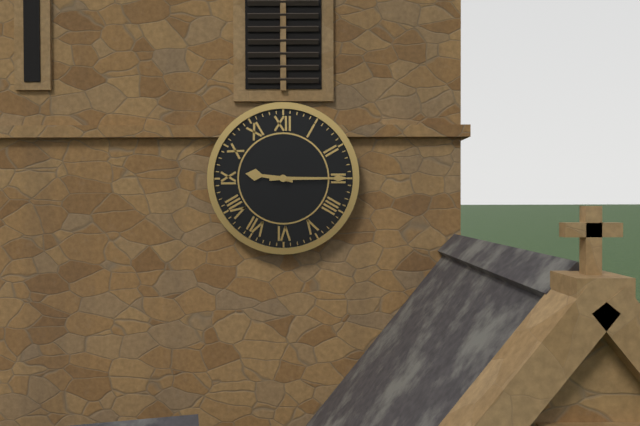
9:15
